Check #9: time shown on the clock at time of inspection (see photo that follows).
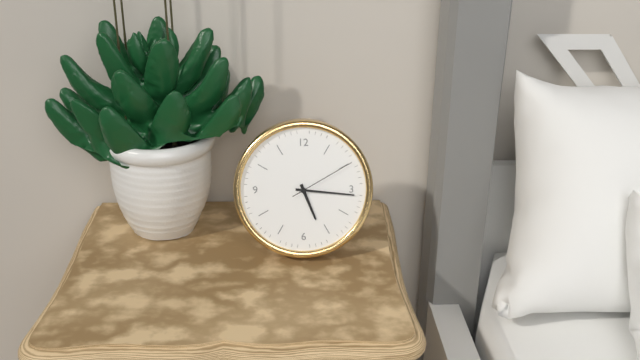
5:16:10
